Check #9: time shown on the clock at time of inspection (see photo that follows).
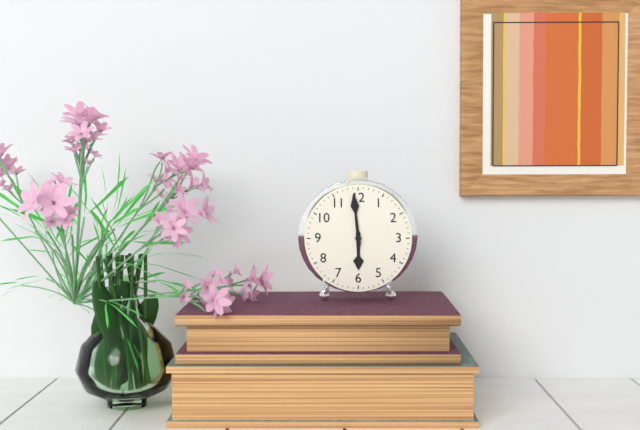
5:59
